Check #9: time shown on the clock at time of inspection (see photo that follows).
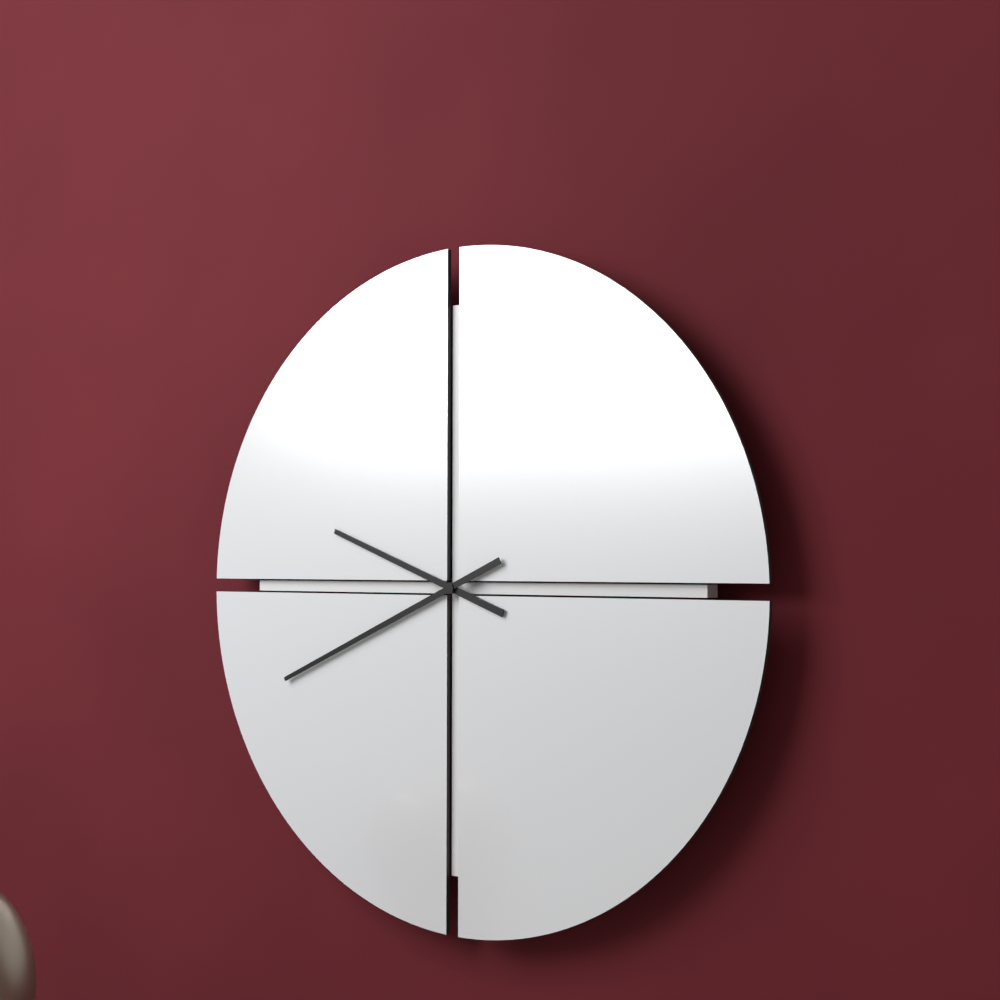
9:41
